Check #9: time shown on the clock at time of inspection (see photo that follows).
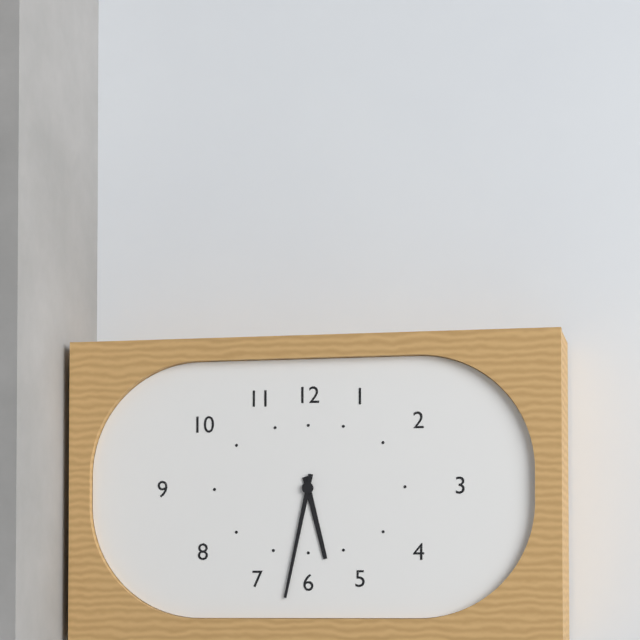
5:32
